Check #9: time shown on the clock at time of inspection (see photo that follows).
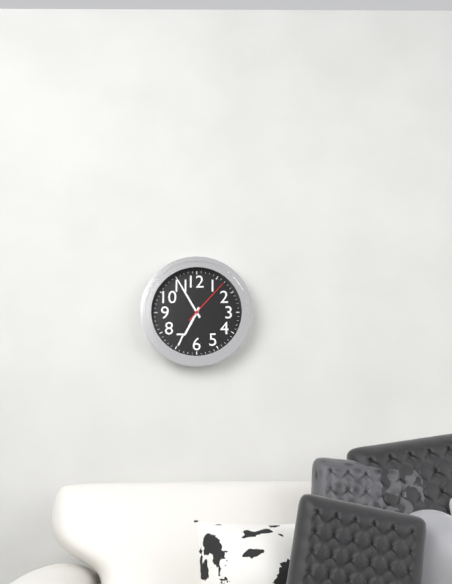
6:55:07
